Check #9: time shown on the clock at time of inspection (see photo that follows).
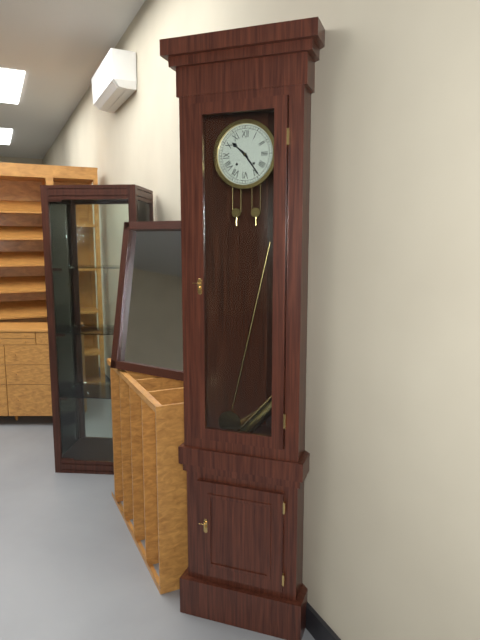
10:24
